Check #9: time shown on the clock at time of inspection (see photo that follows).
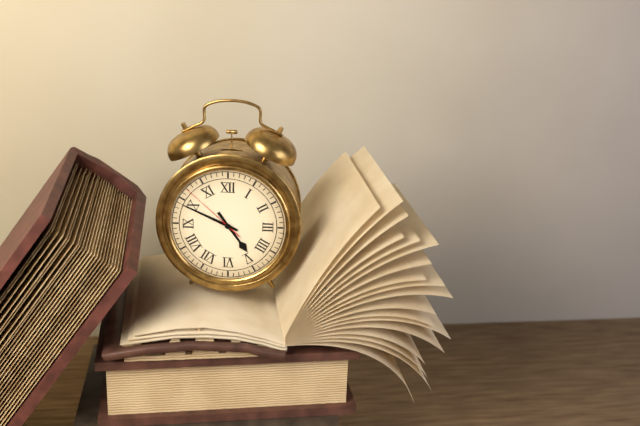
4:49:52
